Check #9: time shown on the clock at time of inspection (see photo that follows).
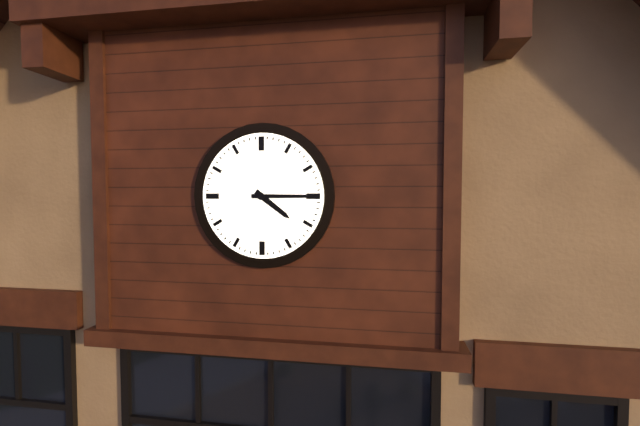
4:15
